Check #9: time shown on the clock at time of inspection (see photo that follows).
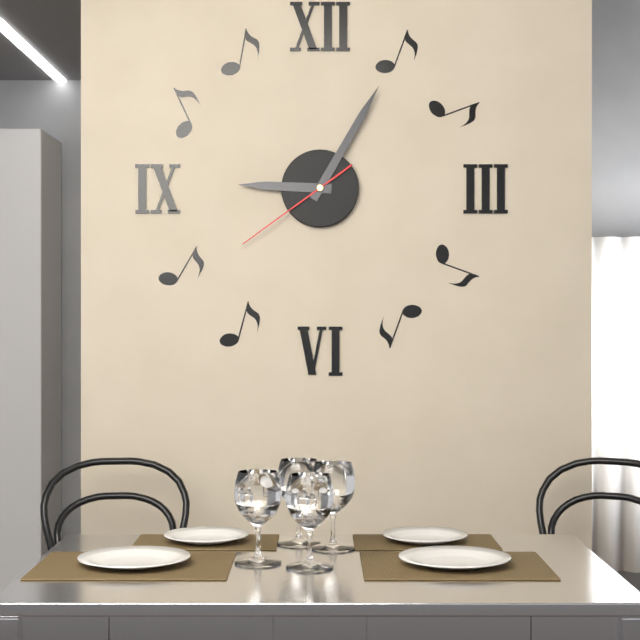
9:05:39
